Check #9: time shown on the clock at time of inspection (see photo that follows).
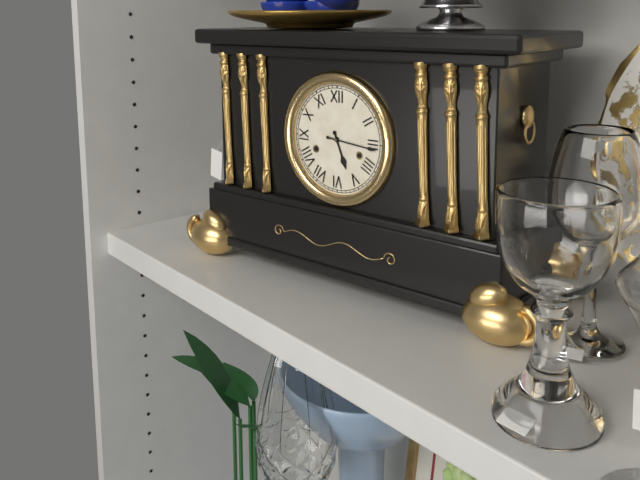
5:16
